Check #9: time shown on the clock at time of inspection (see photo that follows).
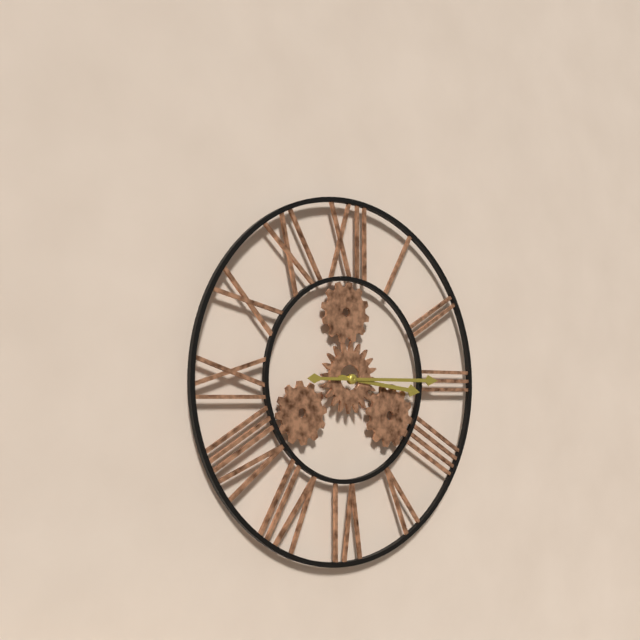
3:15
